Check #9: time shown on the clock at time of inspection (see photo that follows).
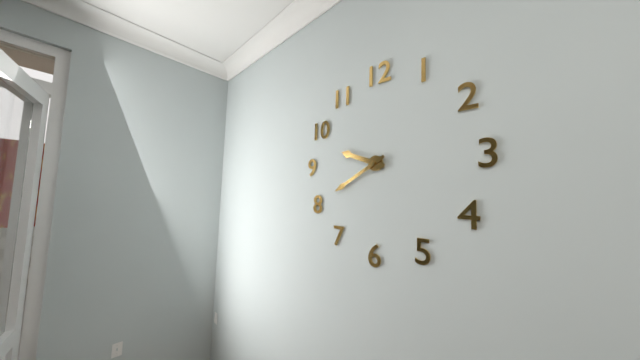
9:40
